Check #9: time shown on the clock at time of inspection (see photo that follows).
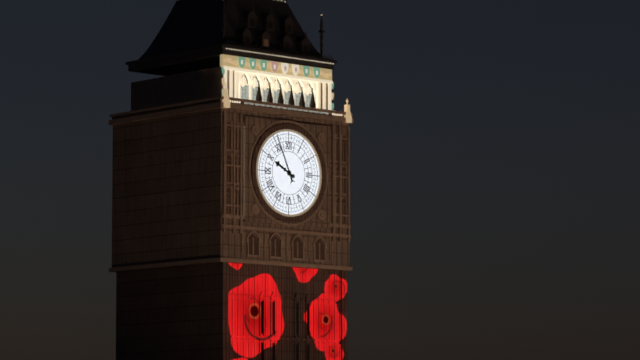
9:56
